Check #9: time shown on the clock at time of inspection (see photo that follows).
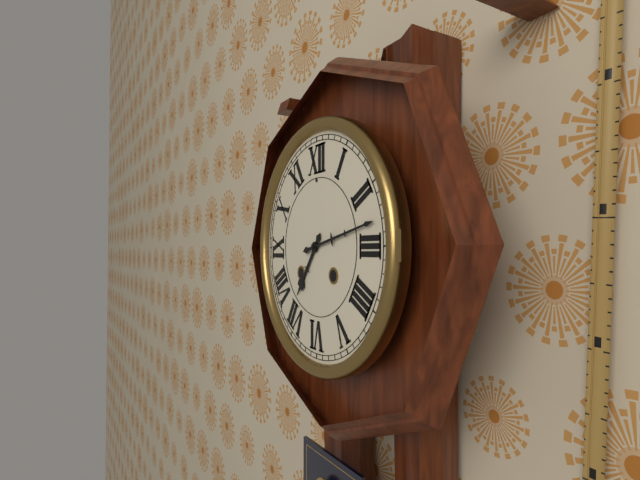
7:13
